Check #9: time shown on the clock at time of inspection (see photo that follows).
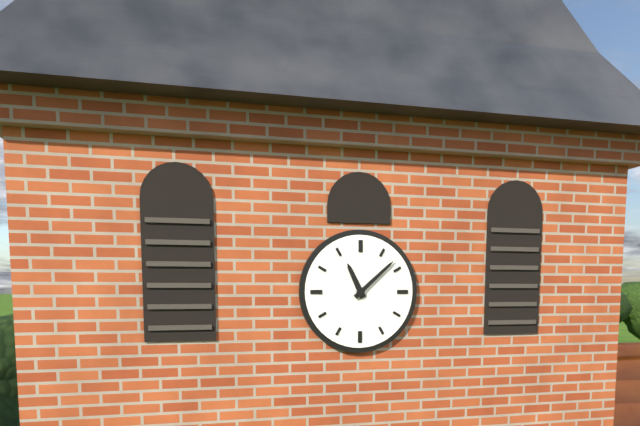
11:08
